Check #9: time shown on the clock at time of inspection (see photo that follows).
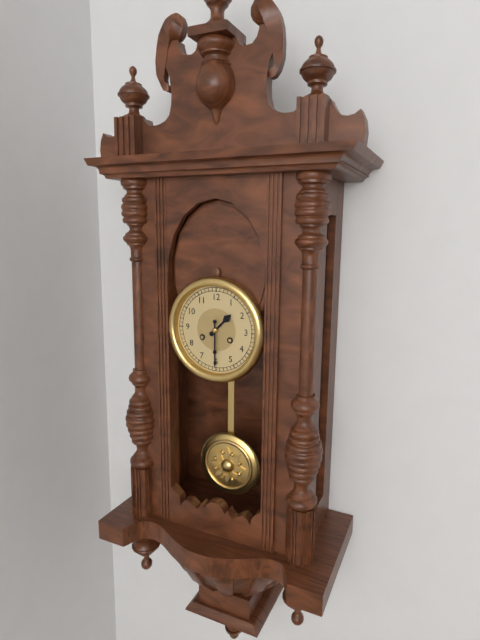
1:30
